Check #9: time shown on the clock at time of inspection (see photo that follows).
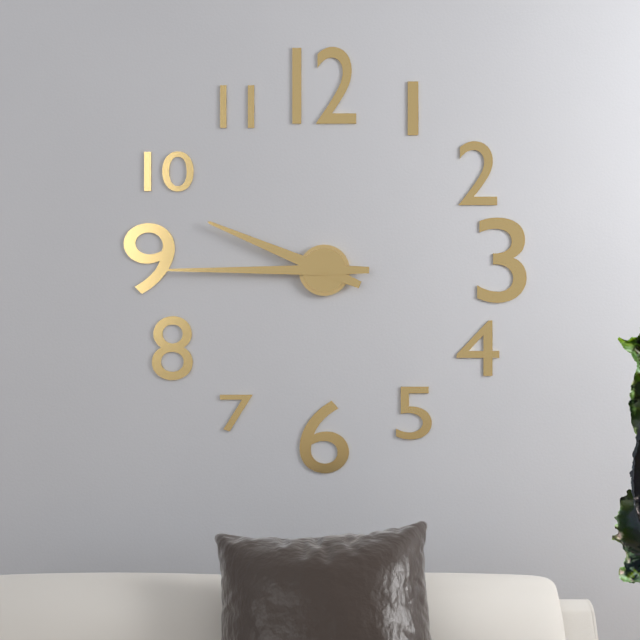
9:45
